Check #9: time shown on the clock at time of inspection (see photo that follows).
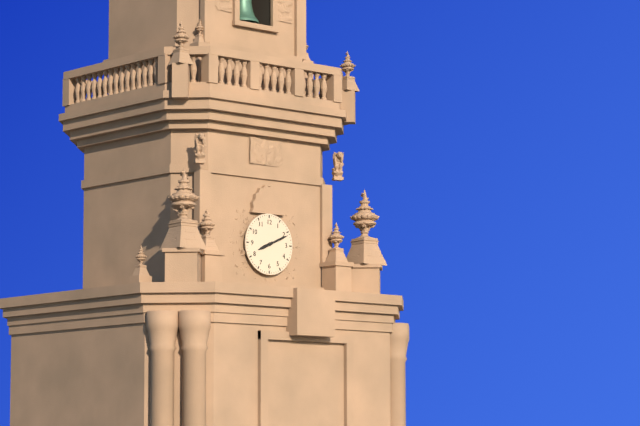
8:11
